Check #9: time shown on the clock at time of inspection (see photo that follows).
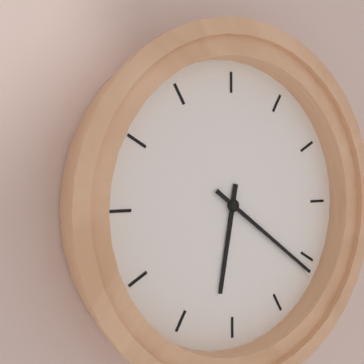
6:21
